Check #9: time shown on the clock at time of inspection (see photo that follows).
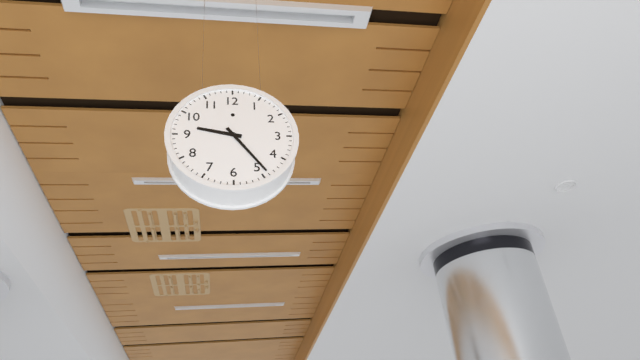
9:24
